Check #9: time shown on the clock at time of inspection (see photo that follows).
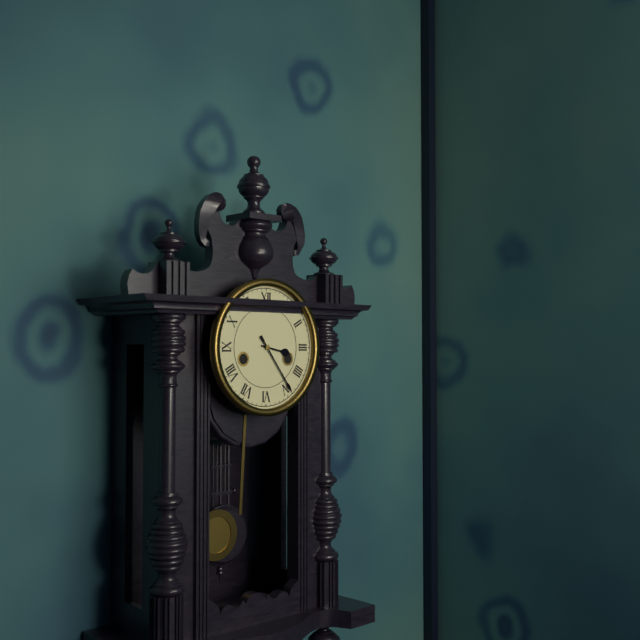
3:24
